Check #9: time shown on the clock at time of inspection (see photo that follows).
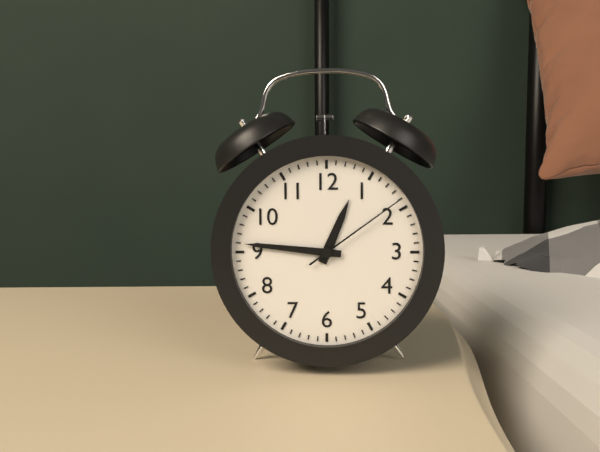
12:46:09
